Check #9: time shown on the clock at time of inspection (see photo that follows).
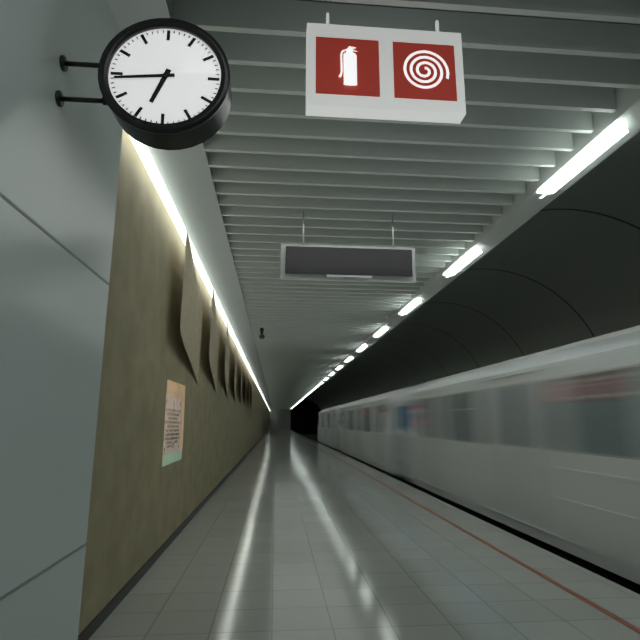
6:44
